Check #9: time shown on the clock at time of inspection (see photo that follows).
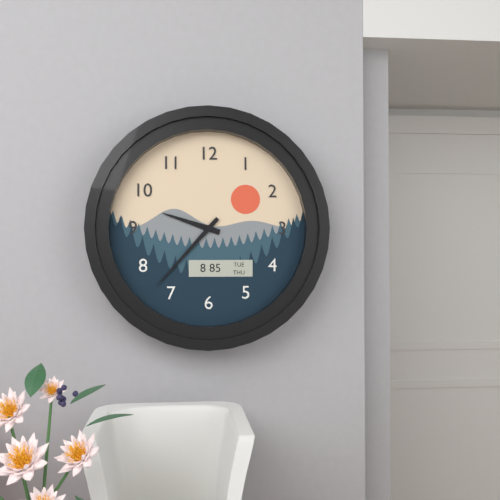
9:37
